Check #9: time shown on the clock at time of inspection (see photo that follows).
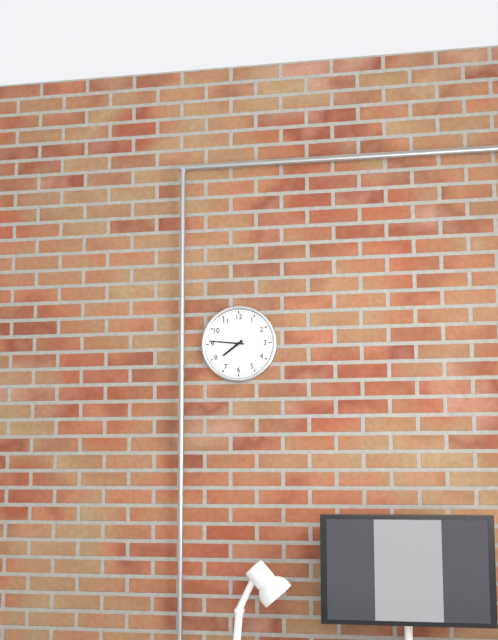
7:46
